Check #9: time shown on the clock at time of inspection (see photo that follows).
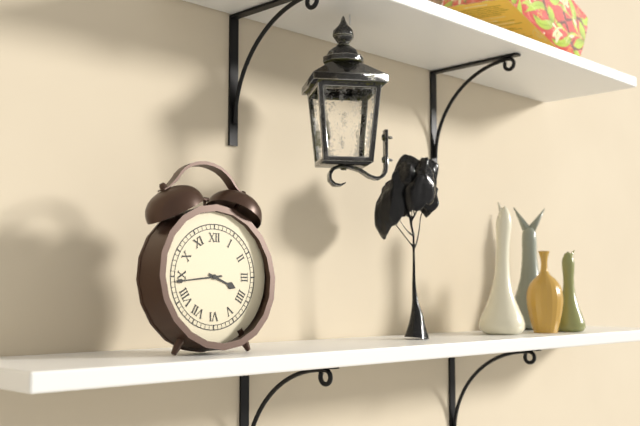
3:44
